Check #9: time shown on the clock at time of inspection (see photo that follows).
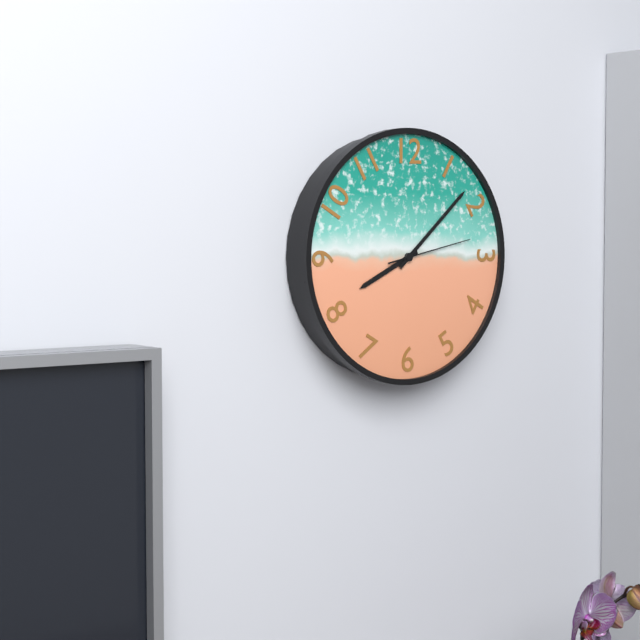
8:08:13
